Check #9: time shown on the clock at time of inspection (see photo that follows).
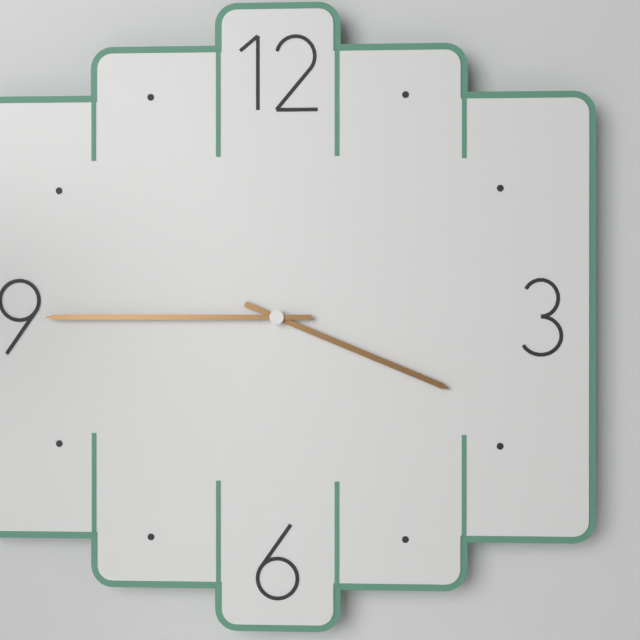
3:45
